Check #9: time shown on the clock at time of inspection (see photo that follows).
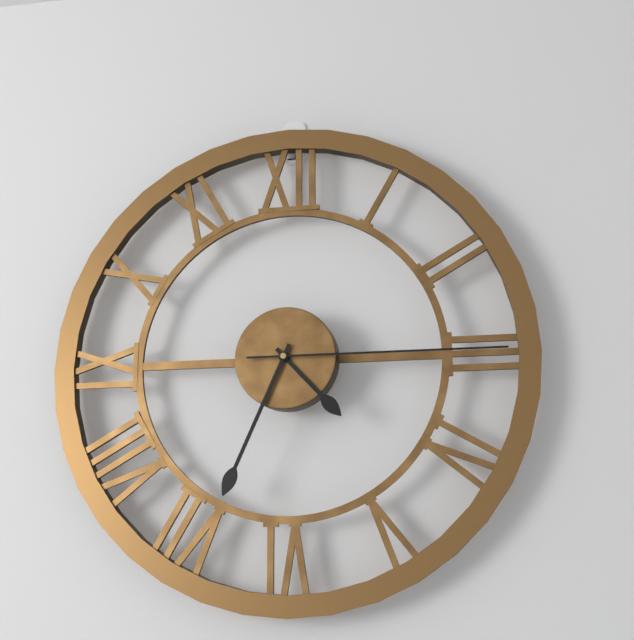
4:34:15
